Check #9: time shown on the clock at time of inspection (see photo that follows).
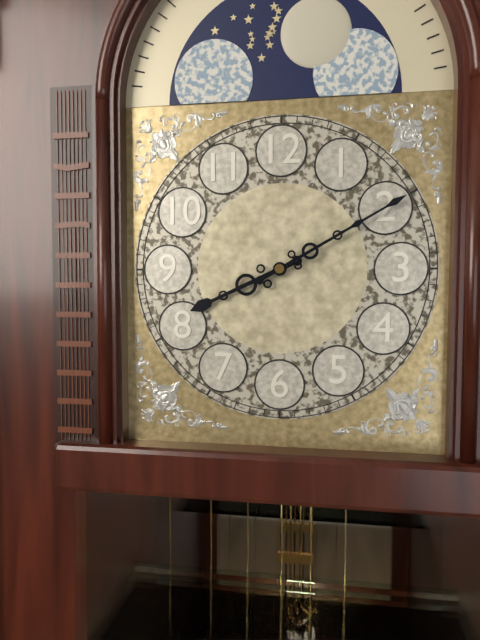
8:10
